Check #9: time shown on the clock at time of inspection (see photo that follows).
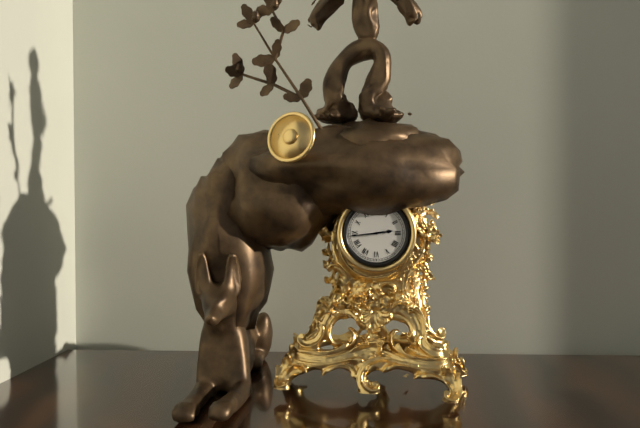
2:44
